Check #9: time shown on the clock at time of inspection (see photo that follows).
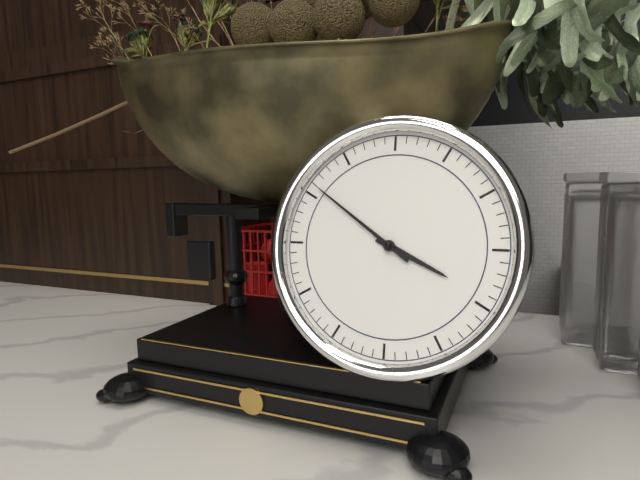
3:51
